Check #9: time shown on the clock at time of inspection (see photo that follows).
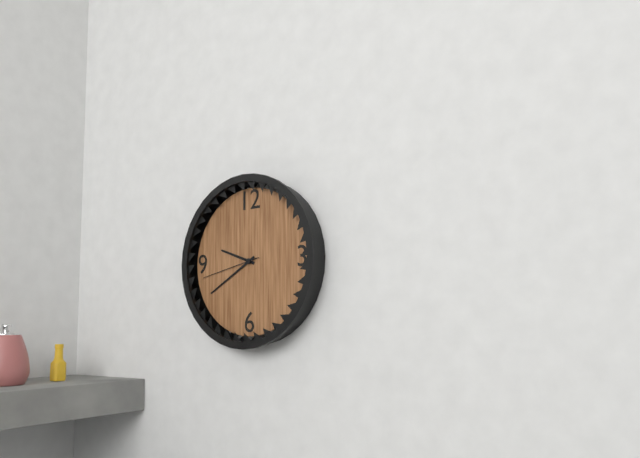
9:40:43
